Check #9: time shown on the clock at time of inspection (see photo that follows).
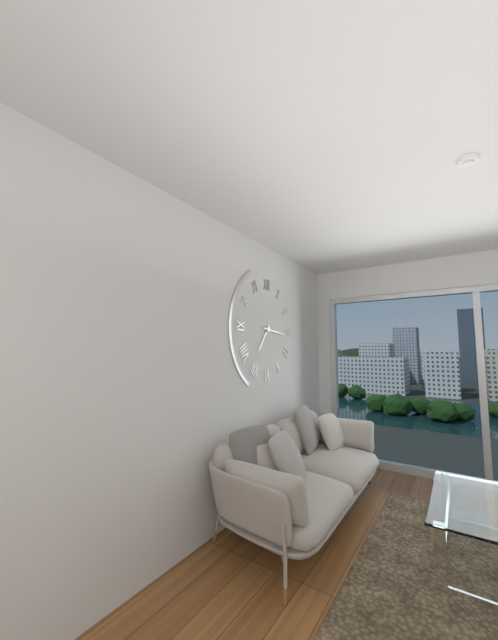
7:16
